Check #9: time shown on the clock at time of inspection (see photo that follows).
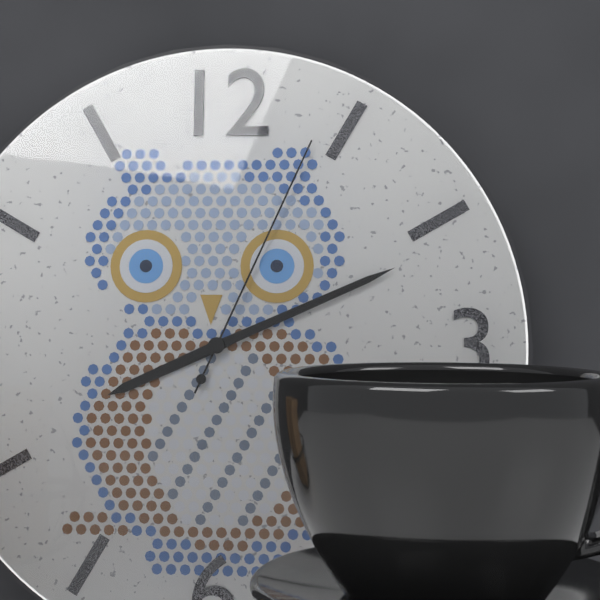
8:11:04
